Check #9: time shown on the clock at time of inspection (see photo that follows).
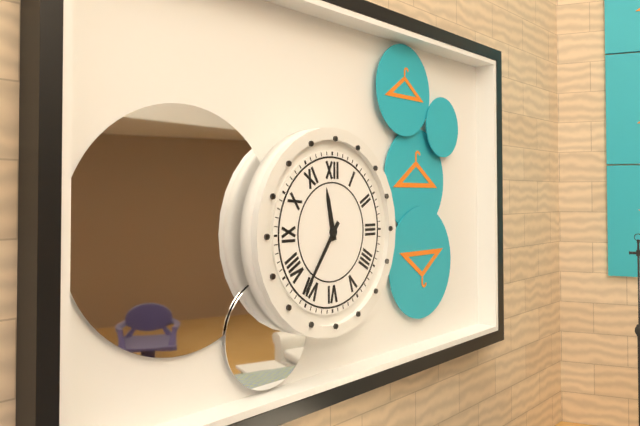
11:36
